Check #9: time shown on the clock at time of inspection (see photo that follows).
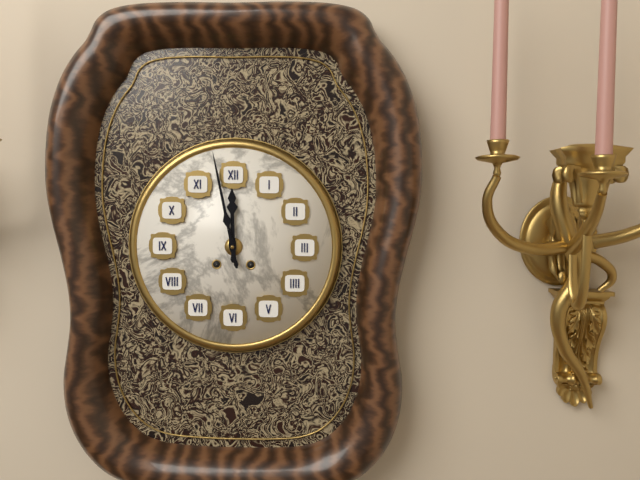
11:58
